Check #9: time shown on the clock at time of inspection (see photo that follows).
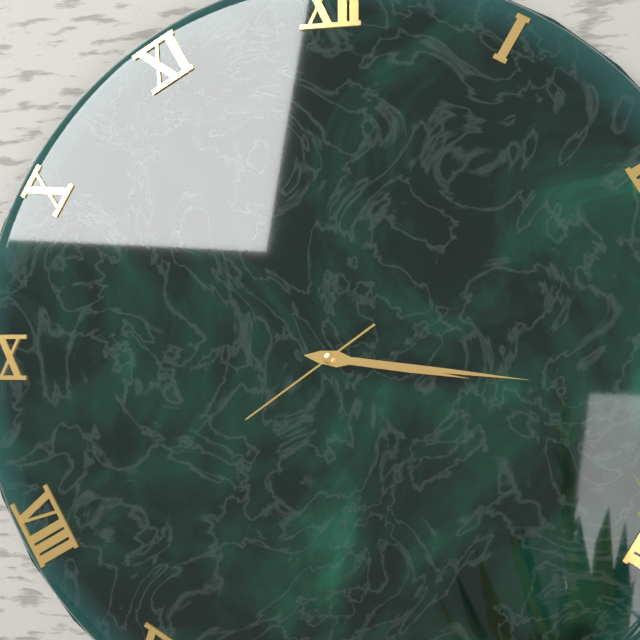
3:16:39
